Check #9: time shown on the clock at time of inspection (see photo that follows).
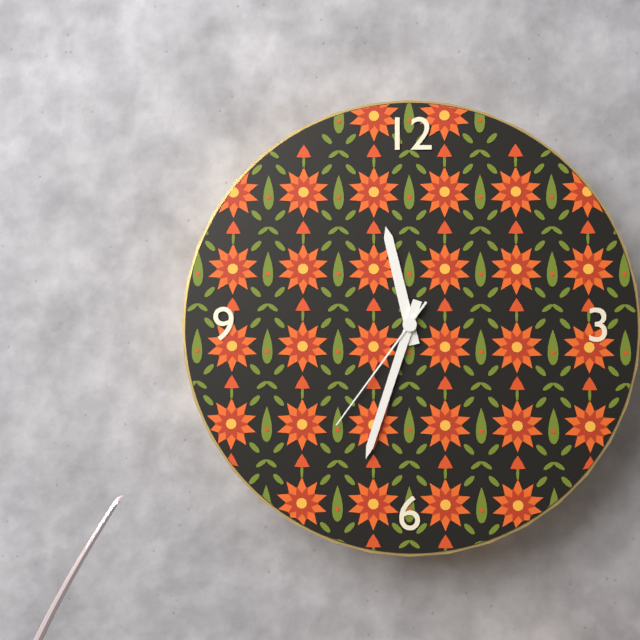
11:33:36
